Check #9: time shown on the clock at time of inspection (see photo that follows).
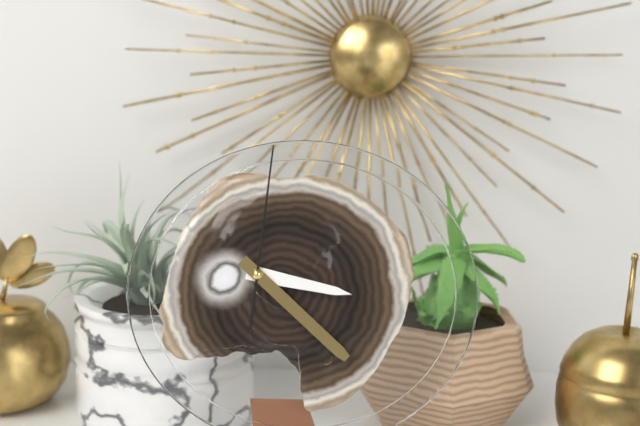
3:22:01
